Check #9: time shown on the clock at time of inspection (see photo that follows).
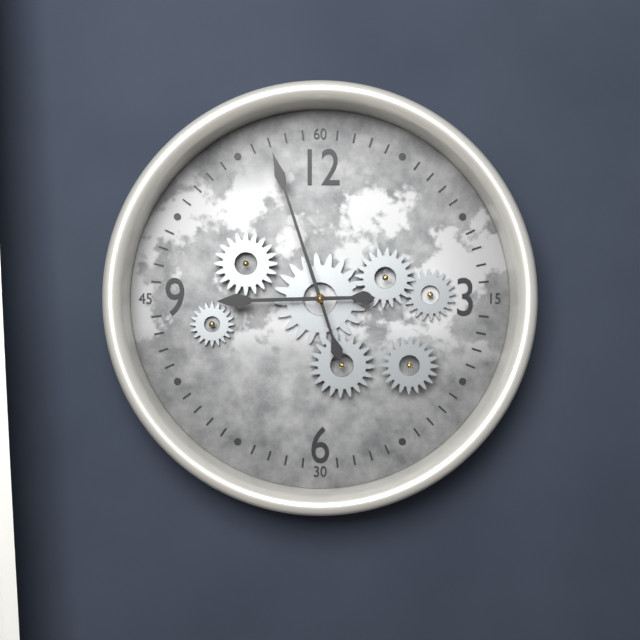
8:57
